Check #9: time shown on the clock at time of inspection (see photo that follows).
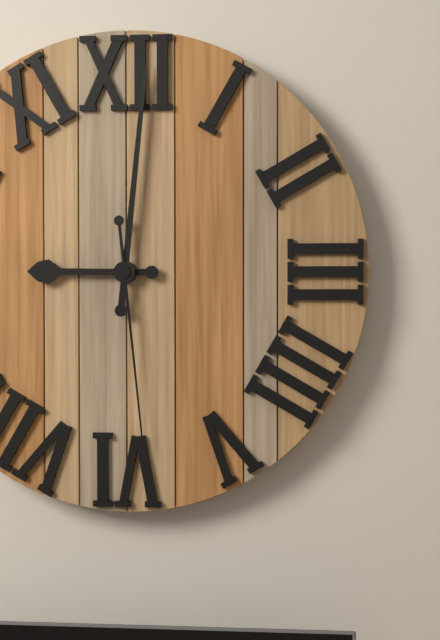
9:01:29
